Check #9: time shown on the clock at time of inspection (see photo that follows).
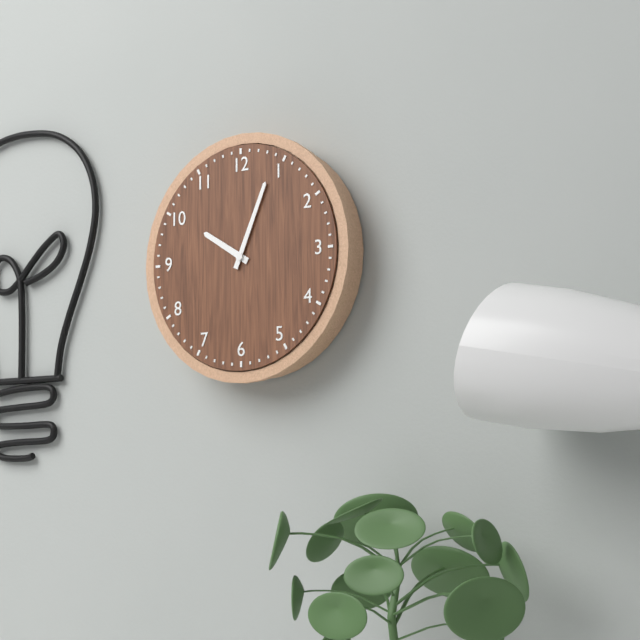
10:04
